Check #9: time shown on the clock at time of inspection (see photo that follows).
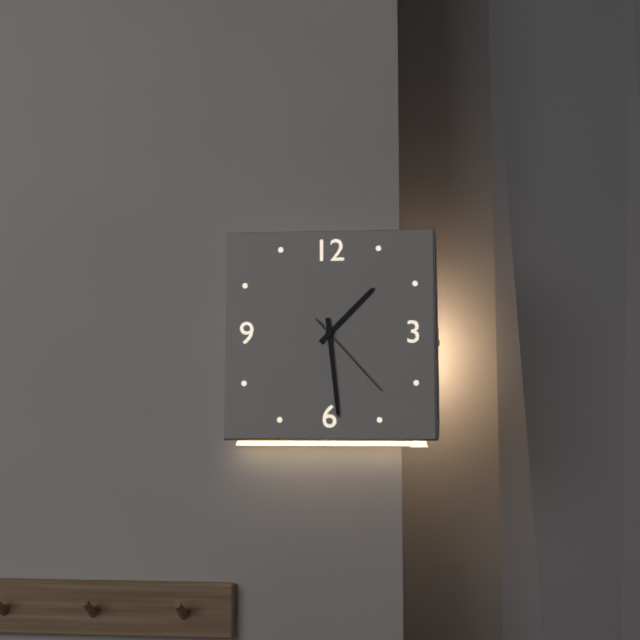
1:29:23
